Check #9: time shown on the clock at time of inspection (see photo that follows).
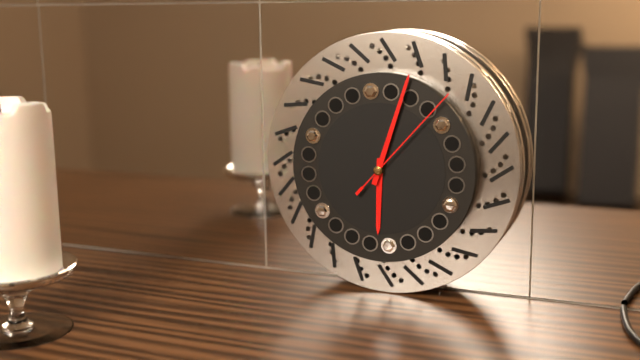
6:03:07
